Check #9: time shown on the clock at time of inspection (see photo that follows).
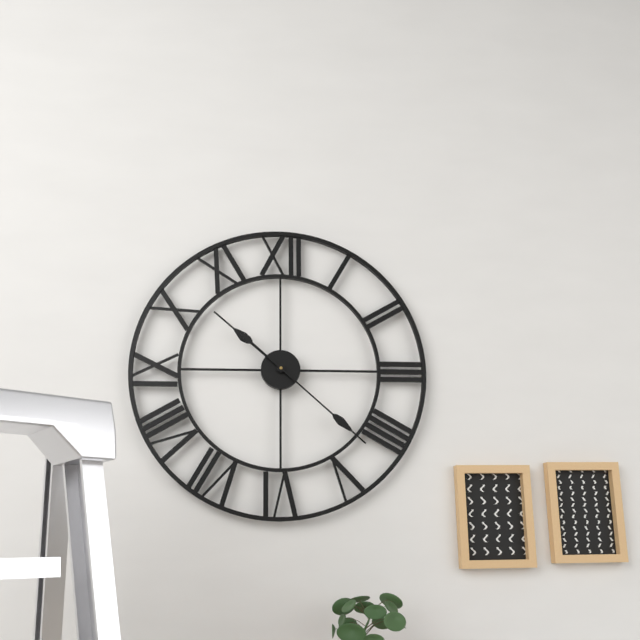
10:22
